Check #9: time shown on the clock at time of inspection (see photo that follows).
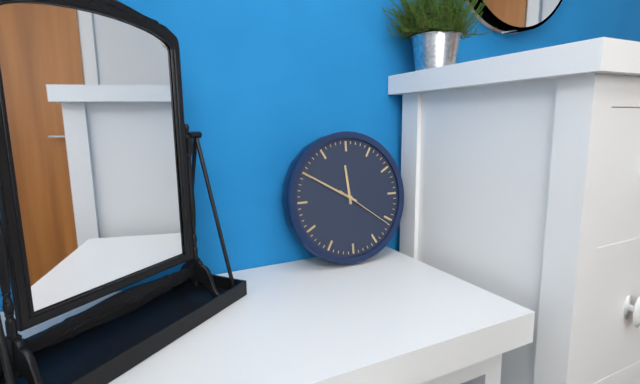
11:50:21
